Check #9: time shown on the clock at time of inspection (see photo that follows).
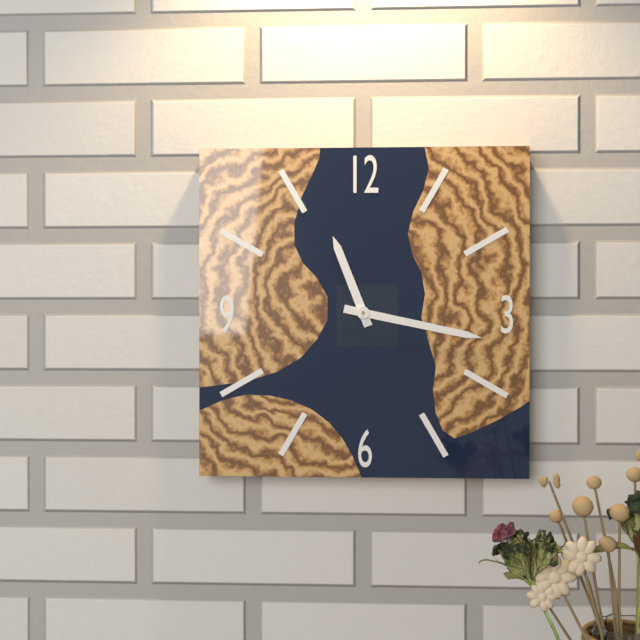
11:17
